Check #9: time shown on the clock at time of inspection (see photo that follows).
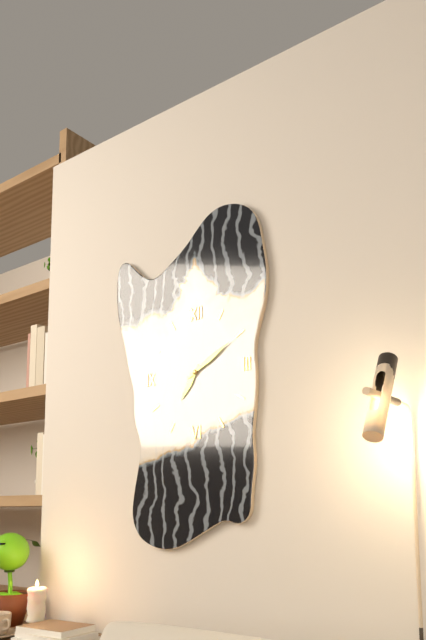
7:10
